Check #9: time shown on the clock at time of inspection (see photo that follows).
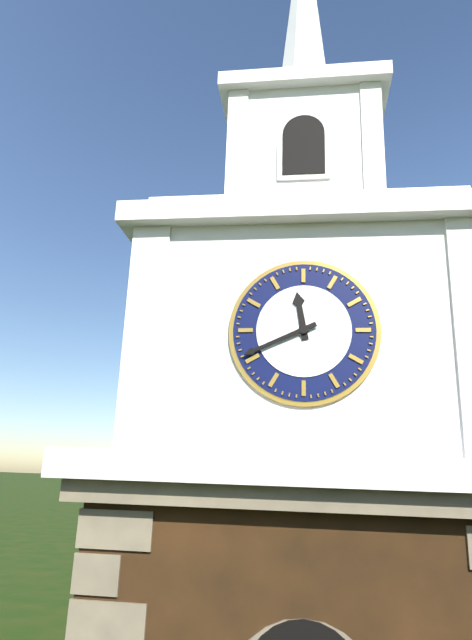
11:41
